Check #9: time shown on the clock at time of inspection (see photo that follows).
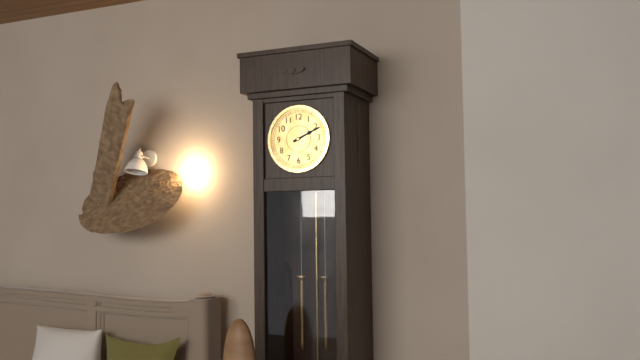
2:11
